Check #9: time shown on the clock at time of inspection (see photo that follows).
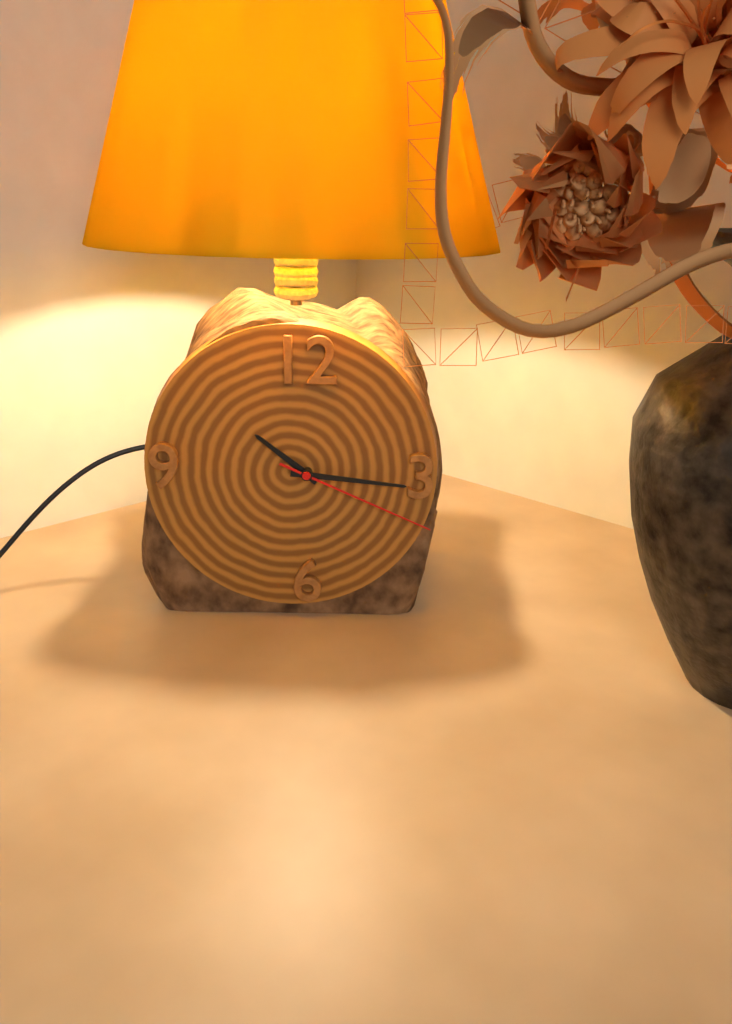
10:16:19
